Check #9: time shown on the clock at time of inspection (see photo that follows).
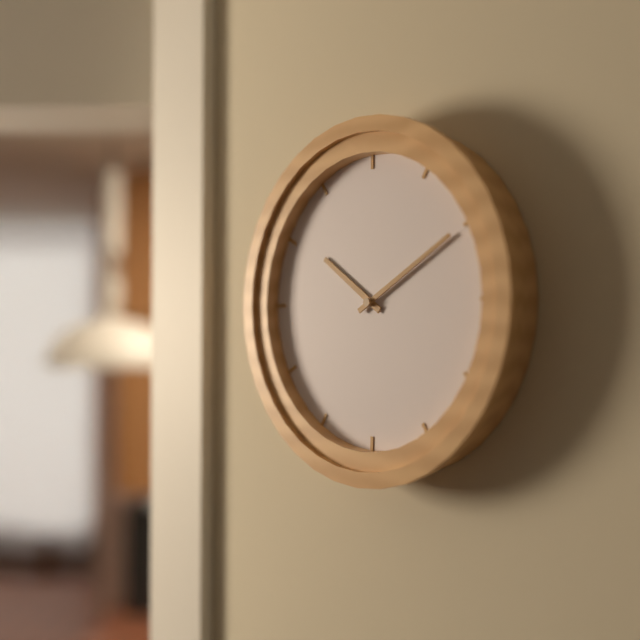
10:10
